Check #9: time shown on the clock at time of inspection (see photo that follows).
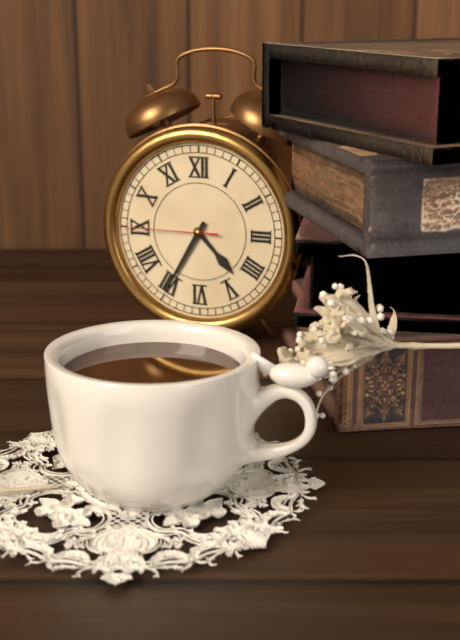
4:35:45
